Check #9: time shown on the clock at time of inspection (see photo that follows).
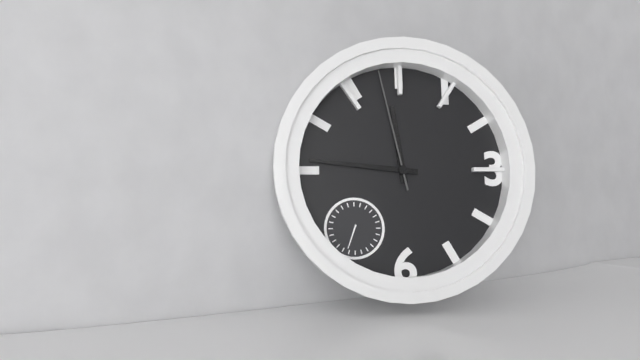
11:46:58
